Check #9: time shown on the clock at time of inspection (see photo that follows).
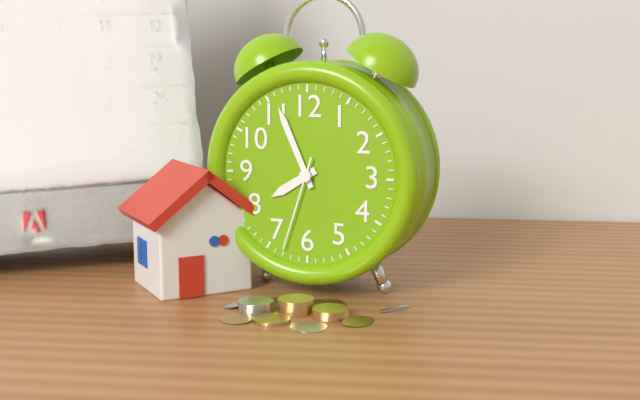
7:56:33
